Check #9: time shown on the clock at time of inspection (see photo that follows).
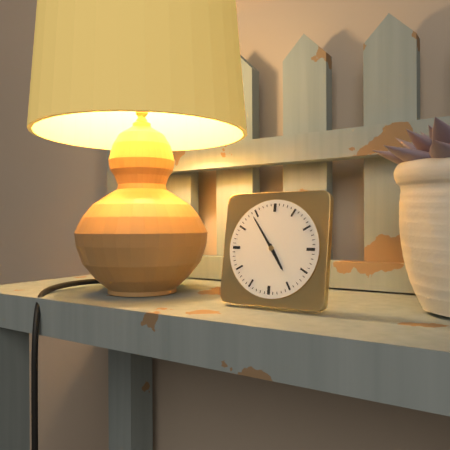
4:54
